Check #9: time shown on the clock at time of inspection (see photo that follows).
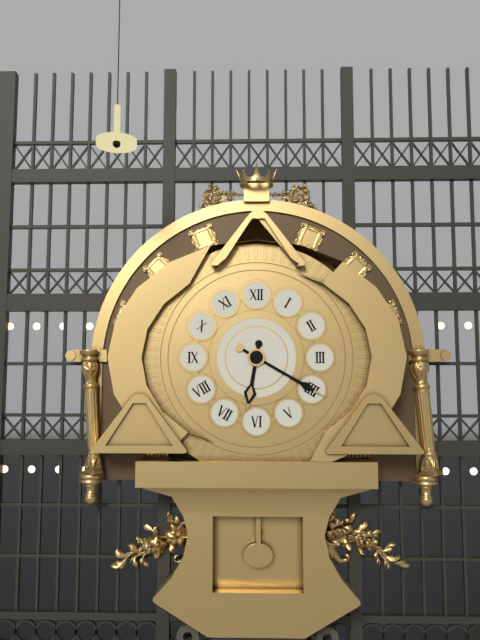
6:20
